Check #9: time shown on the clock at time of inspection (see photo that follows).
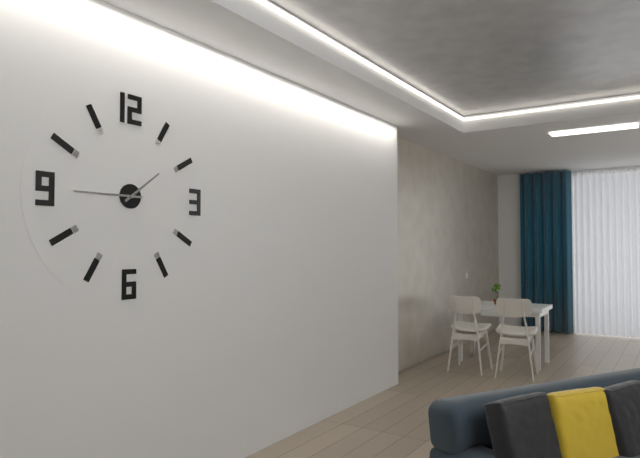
1:45
